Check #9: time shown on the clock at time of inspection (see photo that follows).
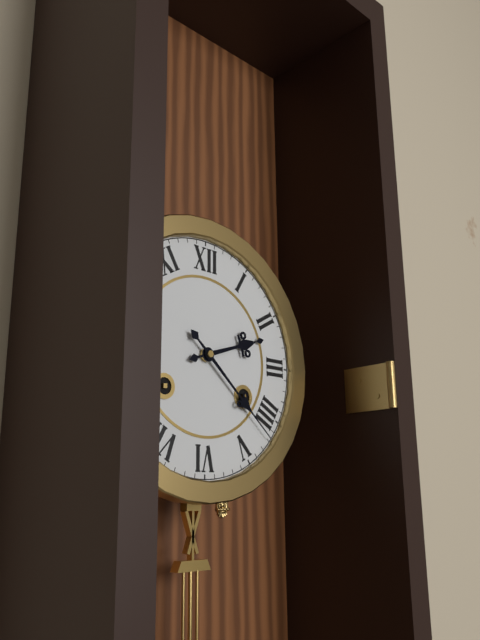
2:22
